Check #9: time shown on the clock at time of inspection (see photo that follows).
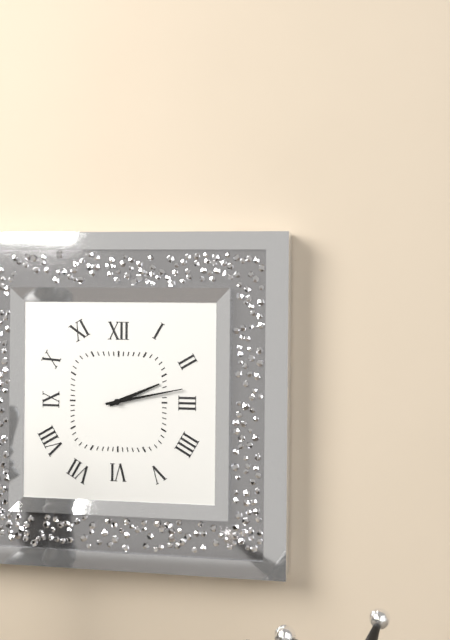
2:13
